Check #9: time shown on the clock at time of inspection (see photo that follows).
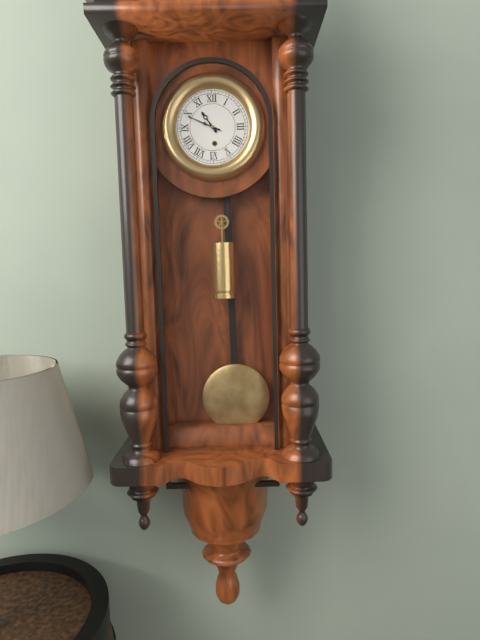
10:49
